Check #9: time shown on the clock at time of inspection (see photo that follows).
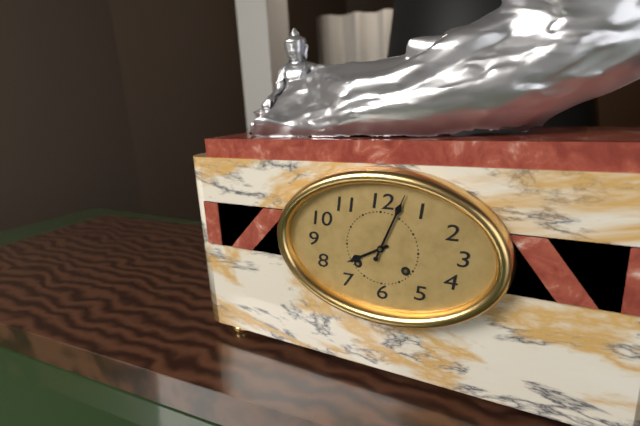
8:04
